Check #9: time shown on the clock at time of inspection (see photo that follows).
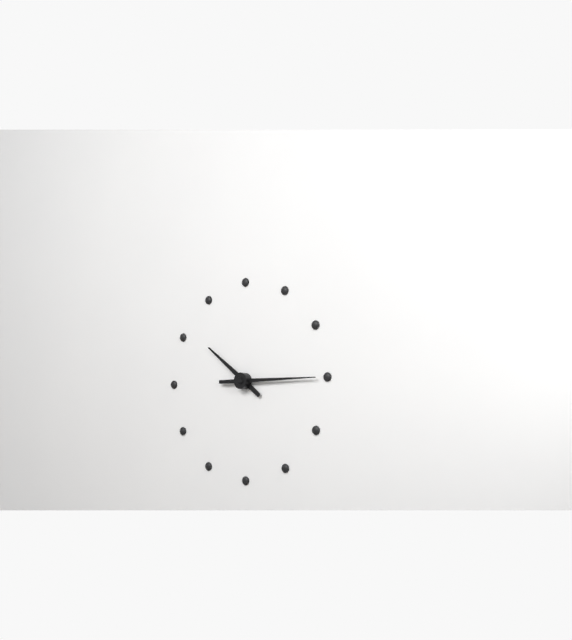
10:15
